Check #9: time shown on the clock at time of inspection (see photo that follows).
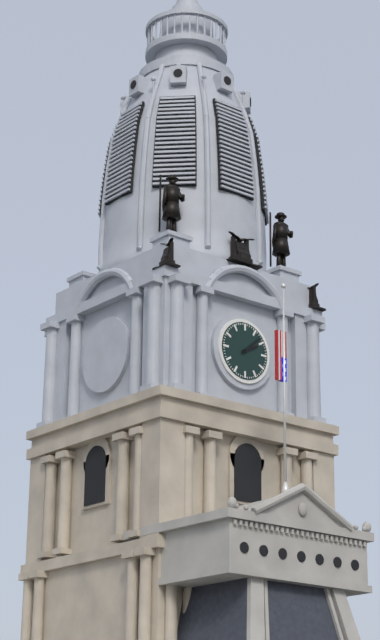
2:08
